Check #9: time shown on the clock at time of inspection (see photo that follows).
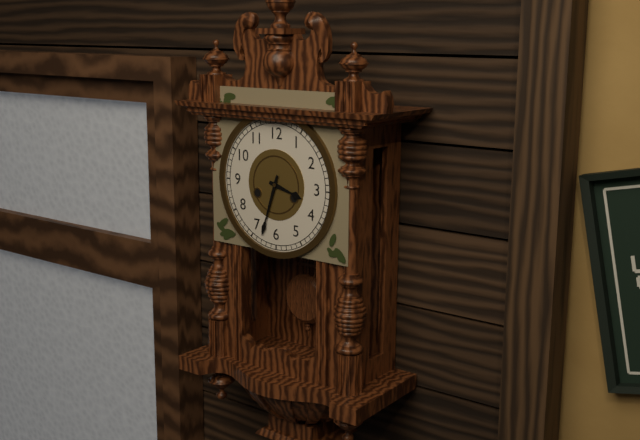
3:33
